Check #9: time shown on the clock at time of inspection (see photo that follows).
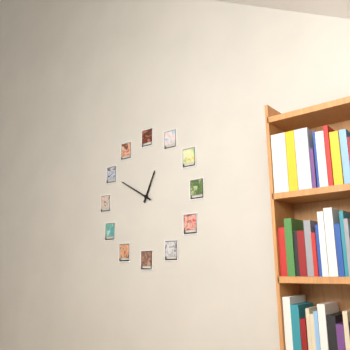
12:50
